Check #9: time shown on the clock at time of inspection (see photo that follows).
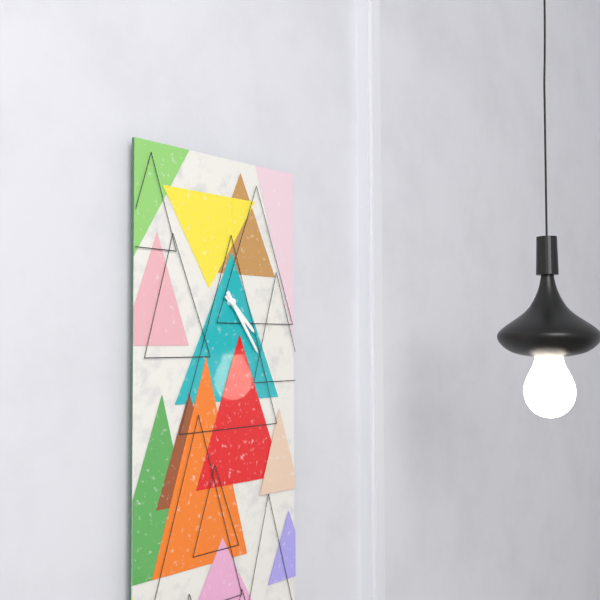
4:24
